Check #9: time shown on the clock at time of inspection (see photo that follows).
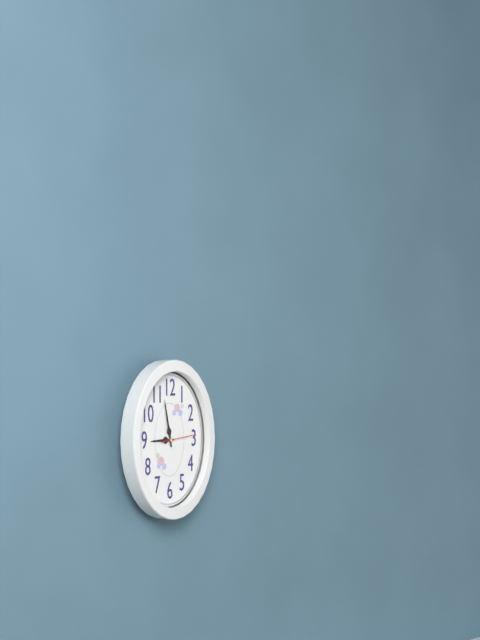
8:58
